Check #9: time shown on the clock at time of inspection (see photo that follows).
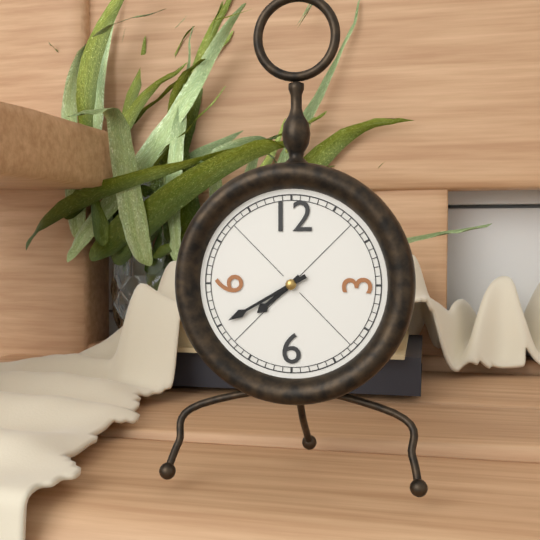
7:40
